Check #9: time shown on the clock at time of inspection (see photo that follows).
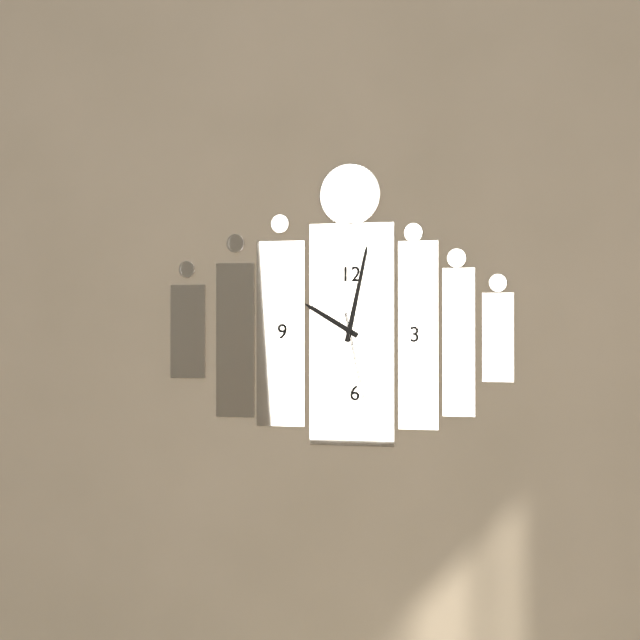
10:02:28
